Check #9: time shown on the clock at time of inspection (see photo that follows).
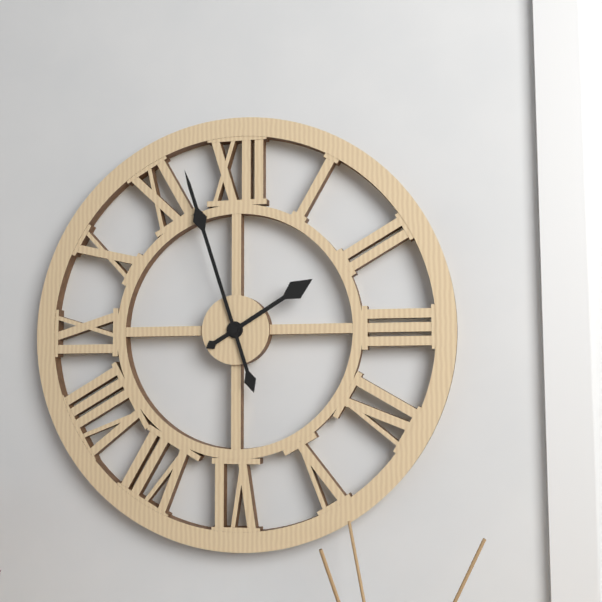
1:57
